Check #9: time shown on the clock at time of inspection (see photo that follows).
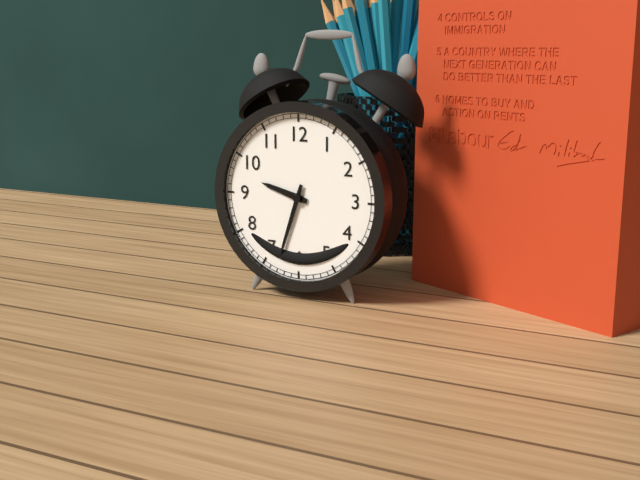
9:33
